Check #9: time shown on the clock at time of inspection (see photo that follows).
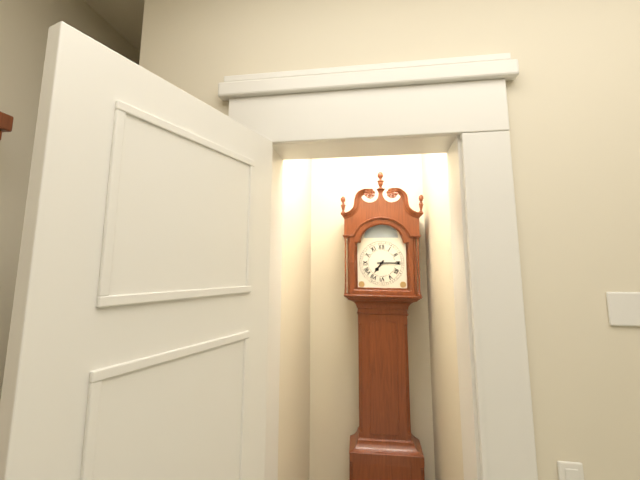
7:15
